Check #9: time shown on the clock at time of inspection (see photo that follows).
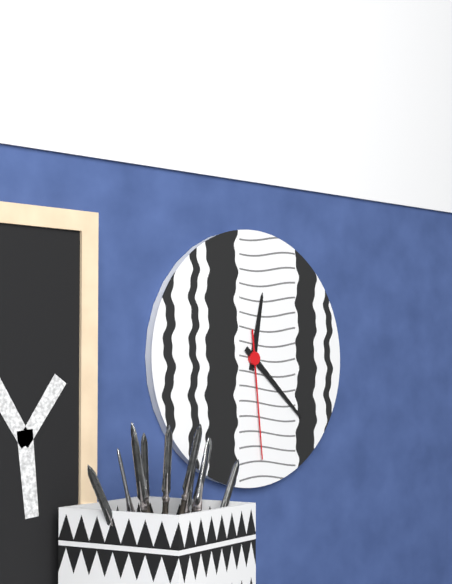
12:22:29
